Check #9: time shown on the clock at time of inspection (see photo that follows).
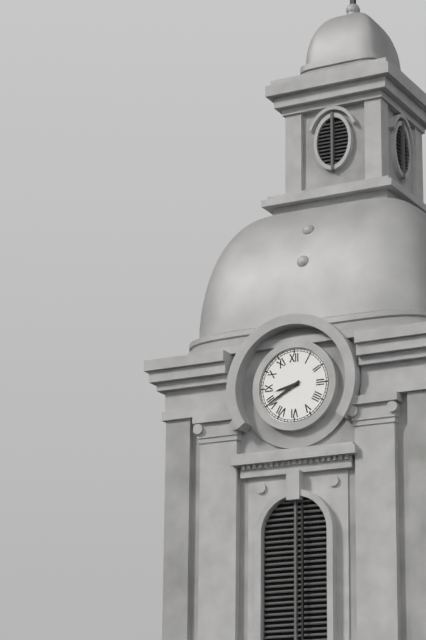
8:40
